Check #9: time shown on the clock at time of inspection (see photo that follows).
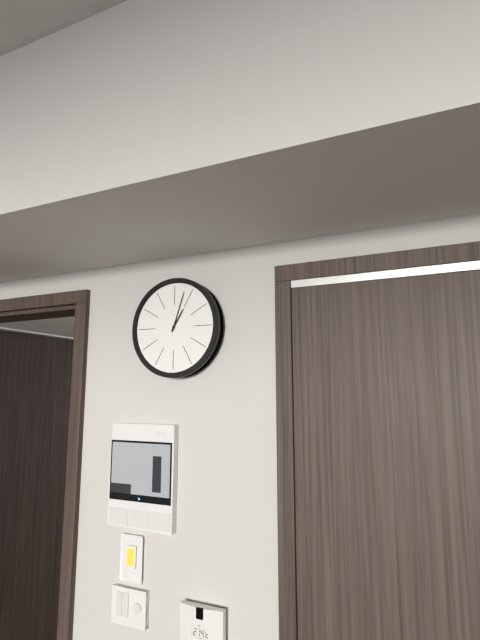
1:03
